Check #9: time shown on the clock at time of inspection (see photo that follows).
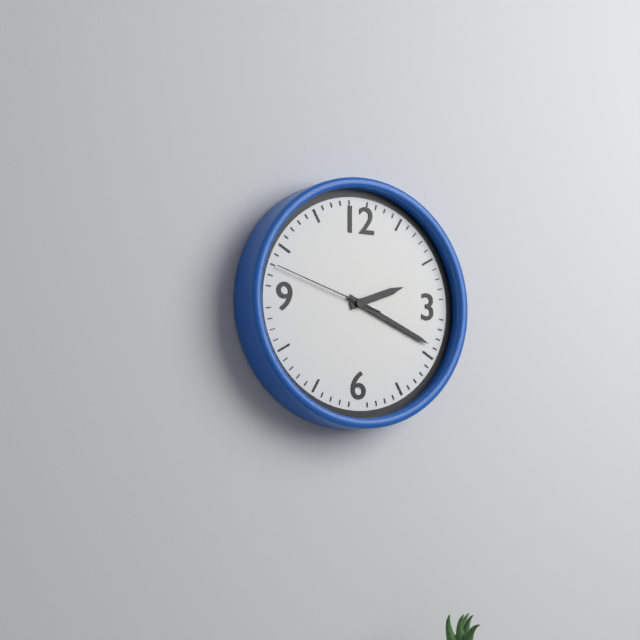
2:19:48
